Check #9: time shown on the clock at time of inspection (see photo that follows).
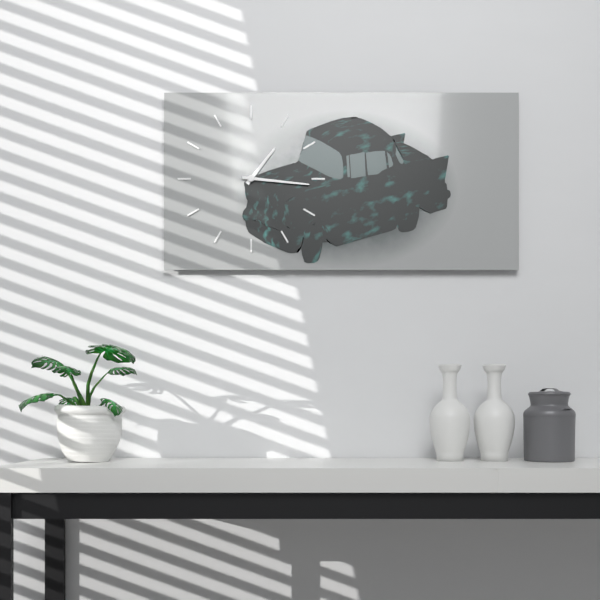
1:16
